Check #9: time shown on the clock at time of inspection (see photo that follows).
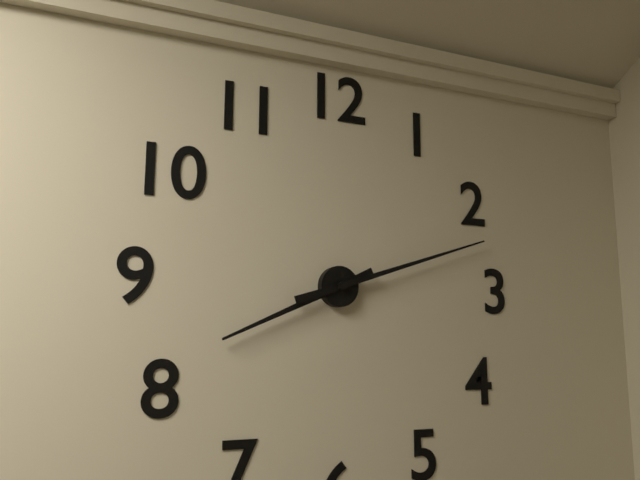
8:12
